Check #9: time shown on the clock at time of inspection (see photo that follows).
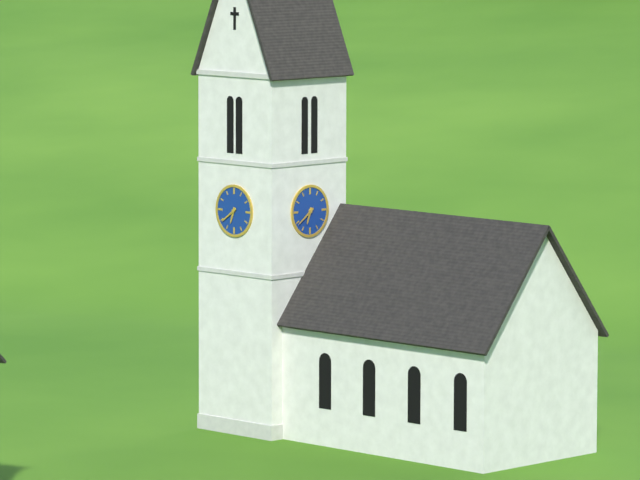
6:39
